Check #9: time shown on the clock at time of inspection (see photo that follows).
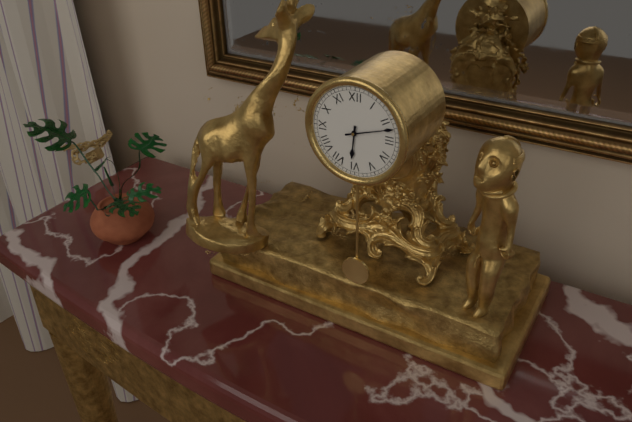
6:12
